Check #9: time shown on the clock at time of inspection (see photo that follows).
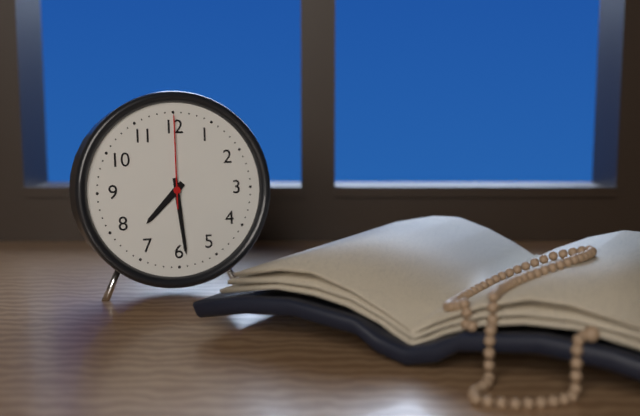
7:29:00
